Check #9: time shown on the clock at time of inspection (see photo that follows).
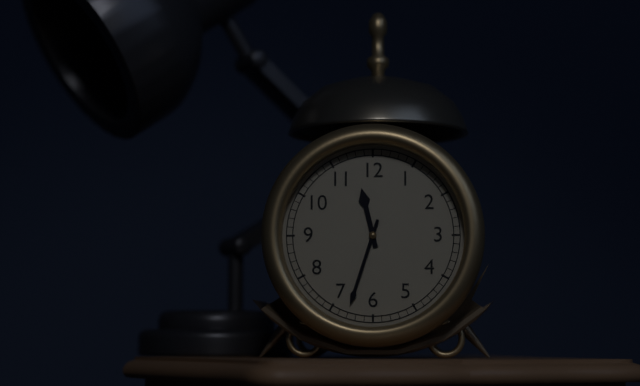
11:33
